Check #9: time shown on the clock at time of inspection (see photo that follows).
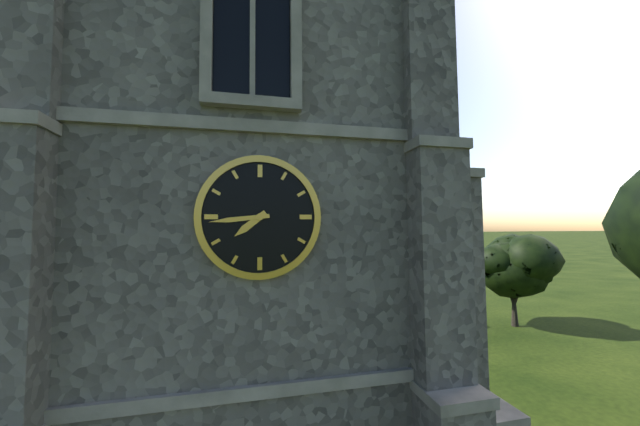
7:44
